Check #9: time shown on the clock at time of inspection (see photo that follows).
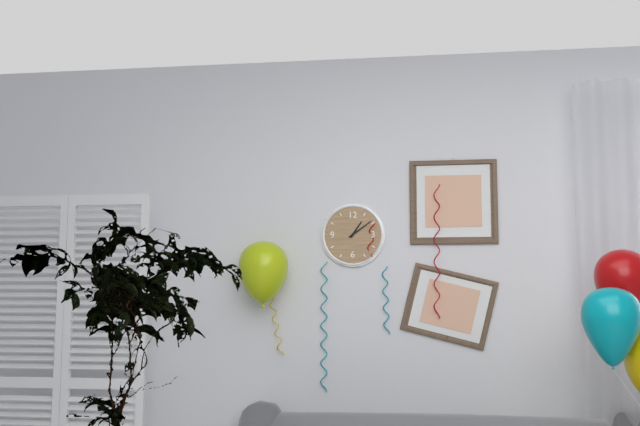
1:09
